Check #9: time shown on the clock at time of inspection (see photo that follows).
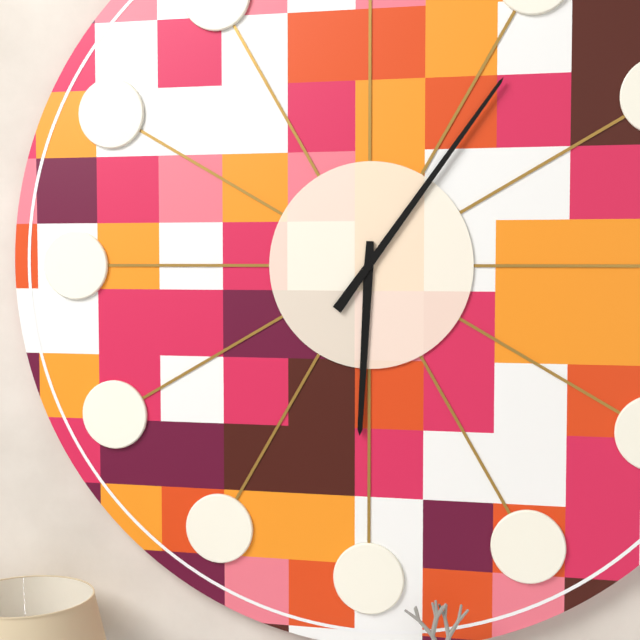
6:06
